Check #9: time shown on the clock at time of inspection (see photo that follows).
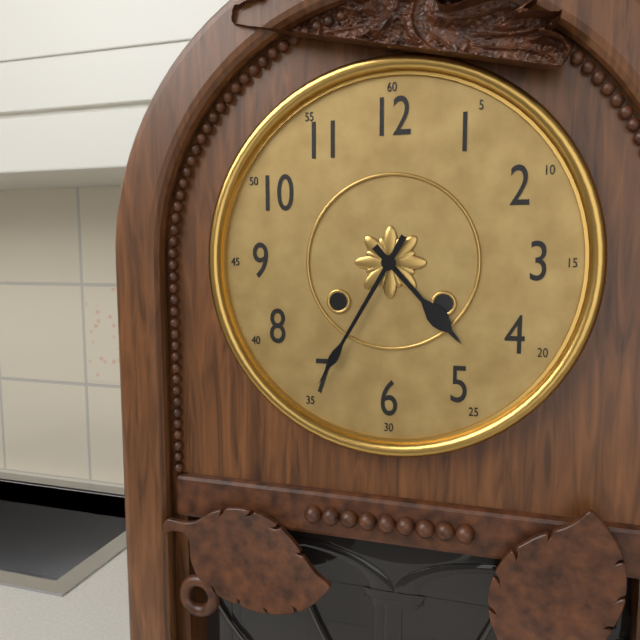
4:35
